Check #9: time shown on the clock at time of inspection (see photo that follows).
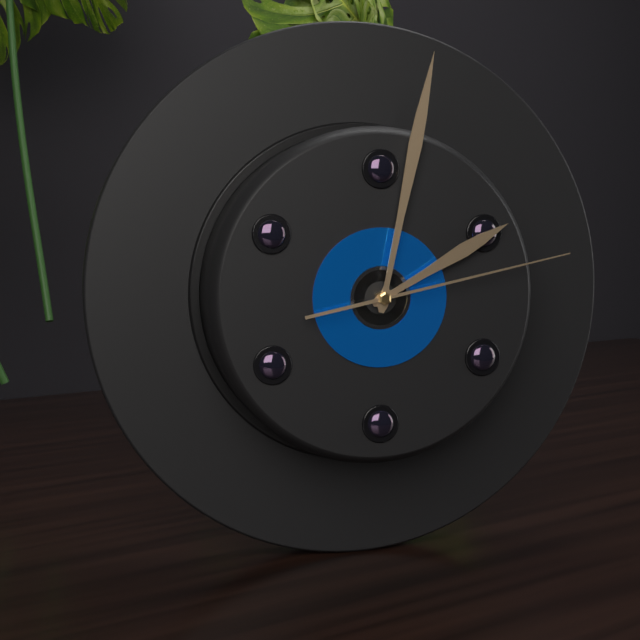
2:02:13
